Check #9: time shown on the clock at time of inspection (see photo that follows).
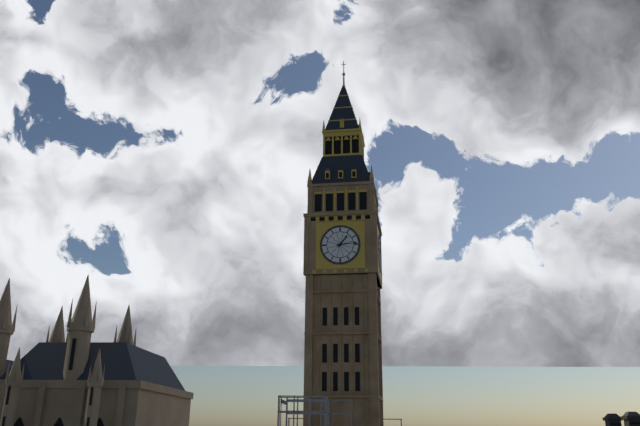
1:14
